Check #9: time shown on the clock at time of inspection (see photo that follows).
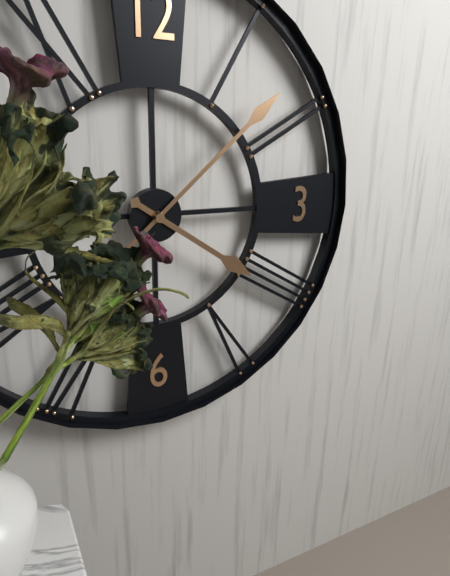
4:08
